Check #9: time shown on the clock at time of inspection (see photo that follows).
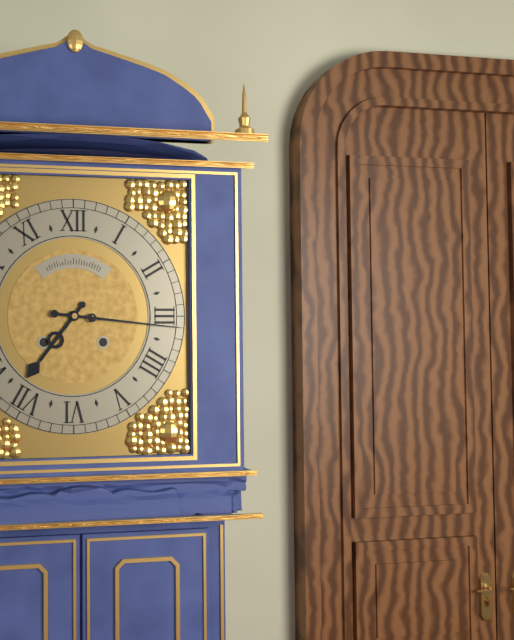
7:16
